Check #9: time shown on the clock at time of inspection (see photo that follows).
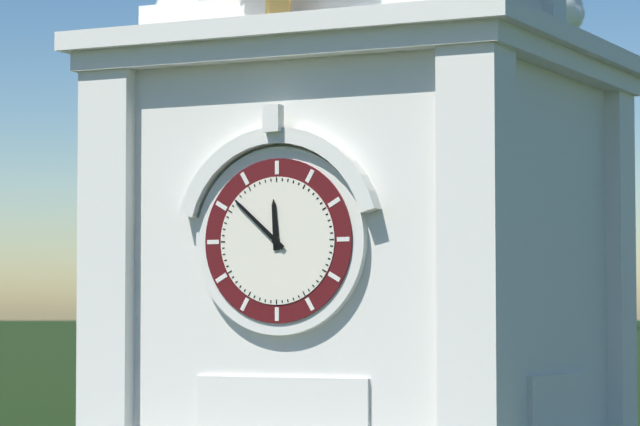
11:52
